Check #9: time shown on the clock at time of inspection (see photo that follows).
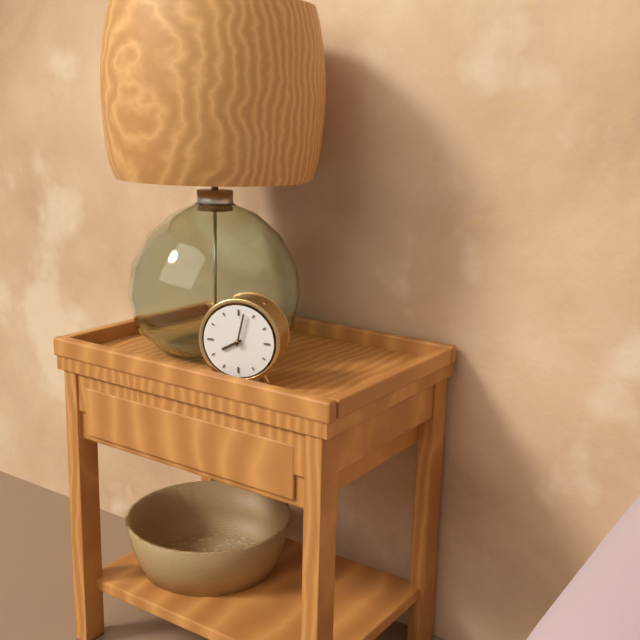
8:02
